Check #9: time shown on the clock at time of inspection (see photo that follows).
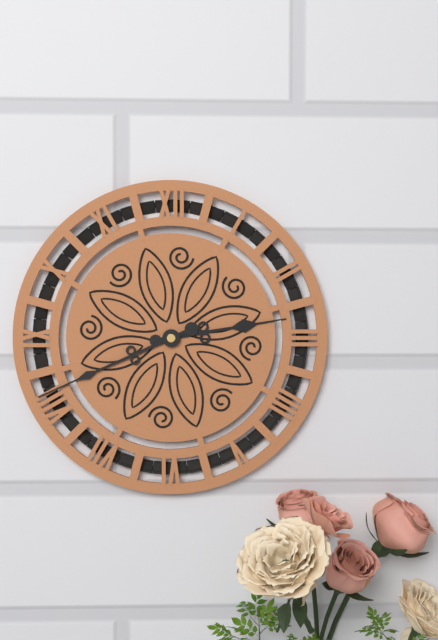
2:41
